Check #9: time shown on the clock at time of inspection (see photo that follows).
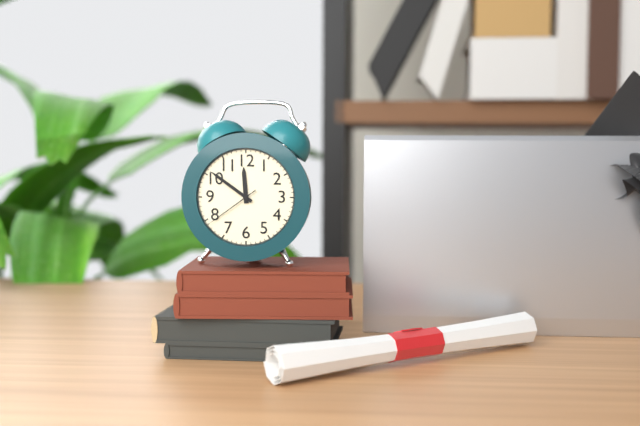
11:51:39
